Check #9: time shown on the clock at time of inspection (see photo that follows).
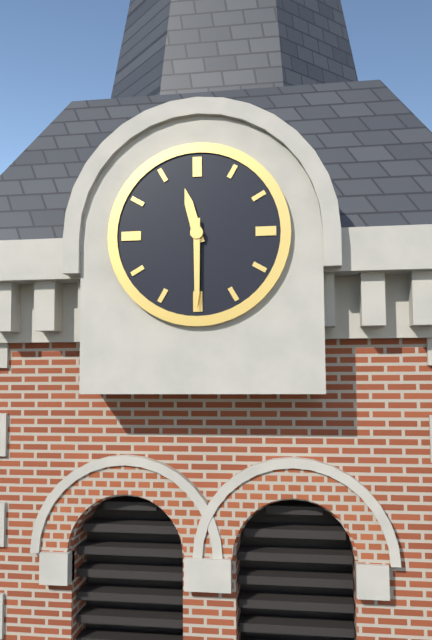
11:30
